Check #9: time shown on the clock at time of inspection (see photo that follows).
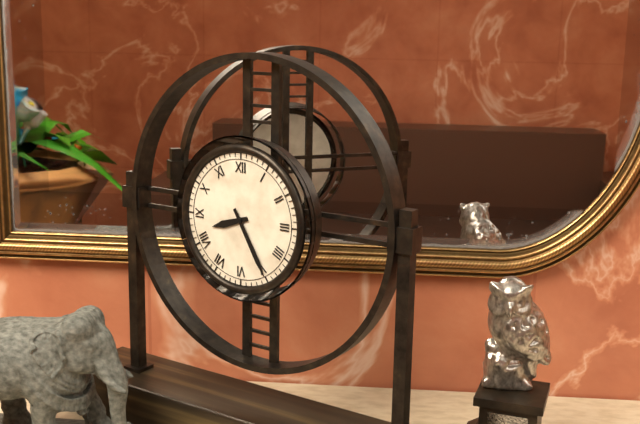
8:25
